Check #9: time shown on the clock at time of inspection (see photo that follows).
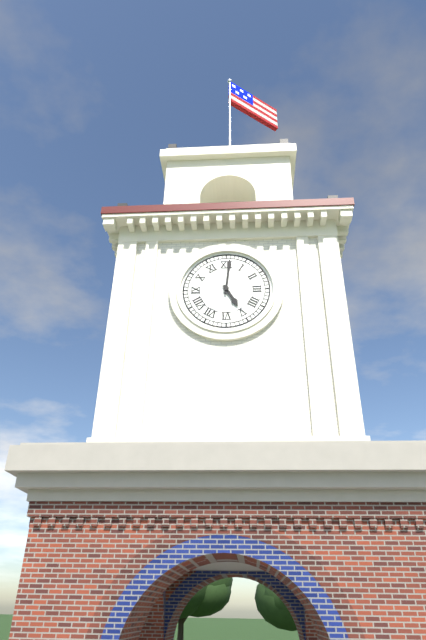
5:01
